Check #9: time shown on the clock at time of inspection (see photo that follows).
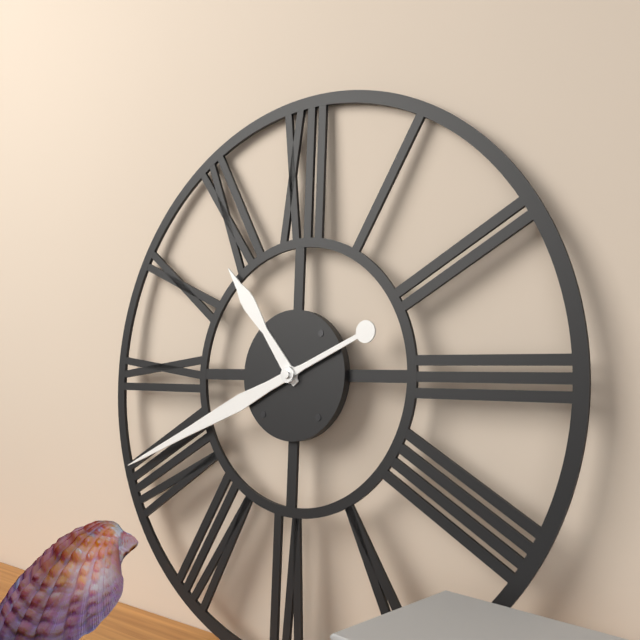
10:41
